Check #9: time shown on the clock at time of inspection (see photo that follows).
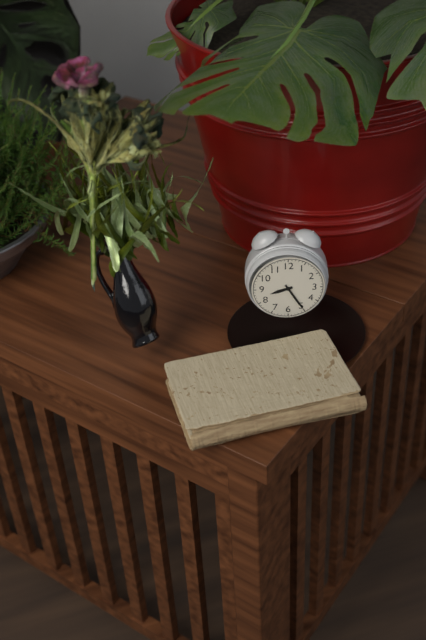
8:25
